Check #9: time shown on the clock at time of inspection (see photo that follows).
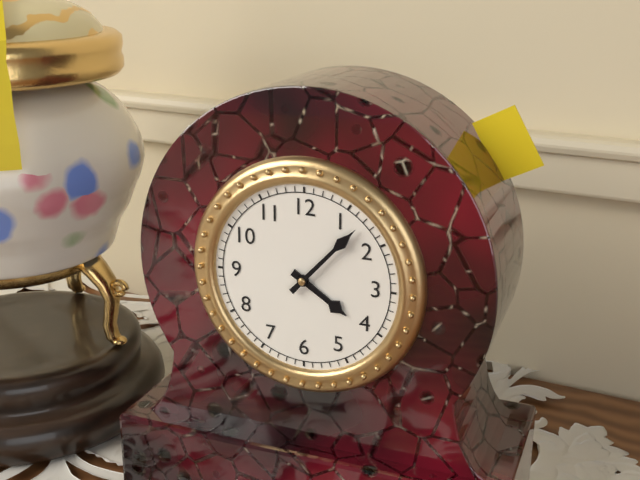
4:07
